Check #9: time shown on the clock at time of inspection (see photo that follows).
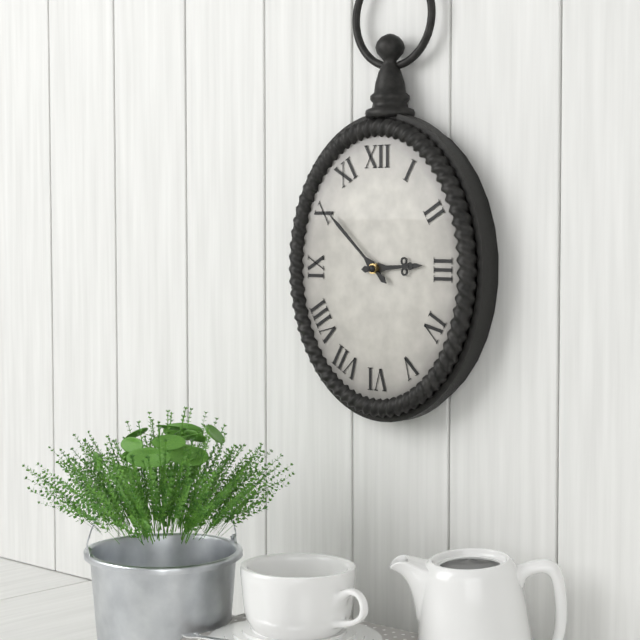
2:52
